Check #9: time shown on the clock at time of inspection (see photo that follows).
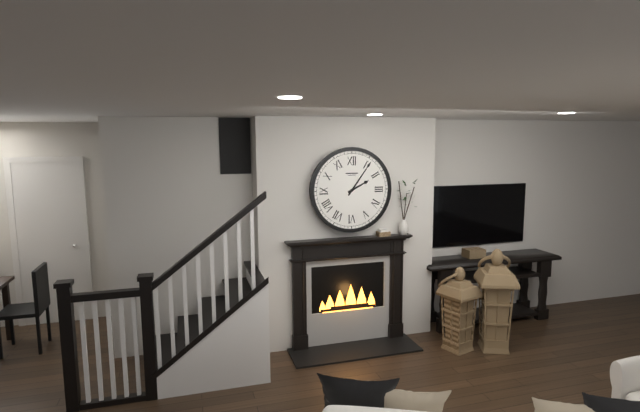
2:06
